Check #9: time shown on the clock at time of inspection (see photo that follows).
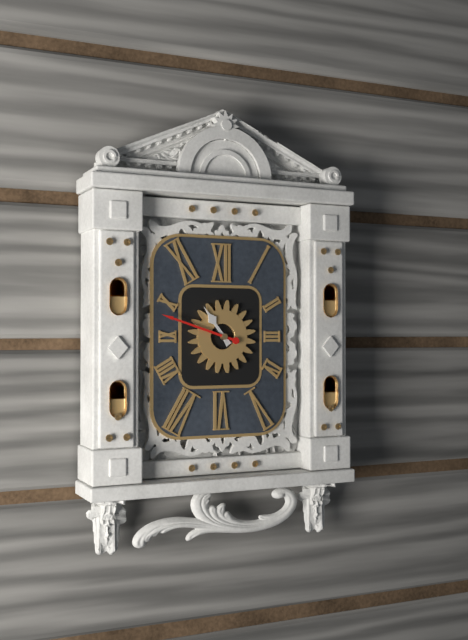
10:48
